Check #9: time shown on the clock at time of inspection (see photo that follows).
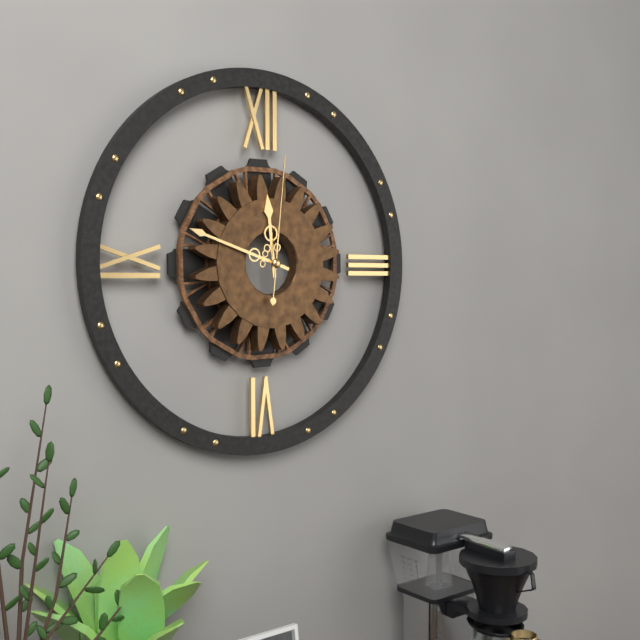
11:48:01
